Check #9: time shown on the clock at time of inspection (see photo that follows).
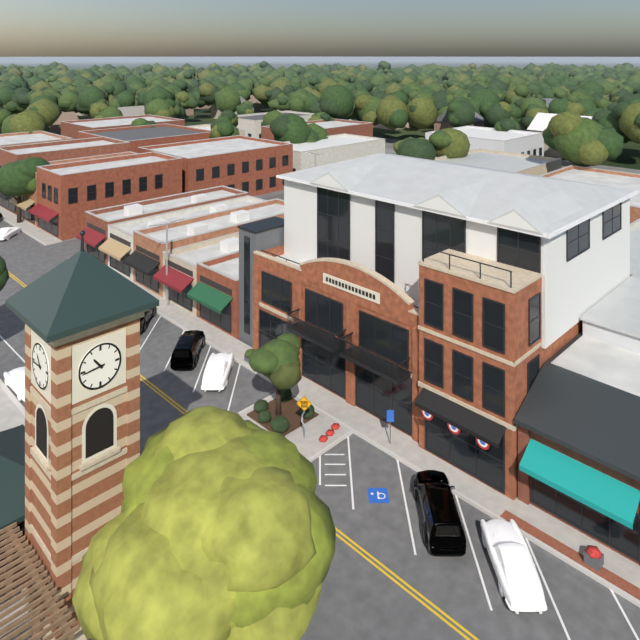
10:44
